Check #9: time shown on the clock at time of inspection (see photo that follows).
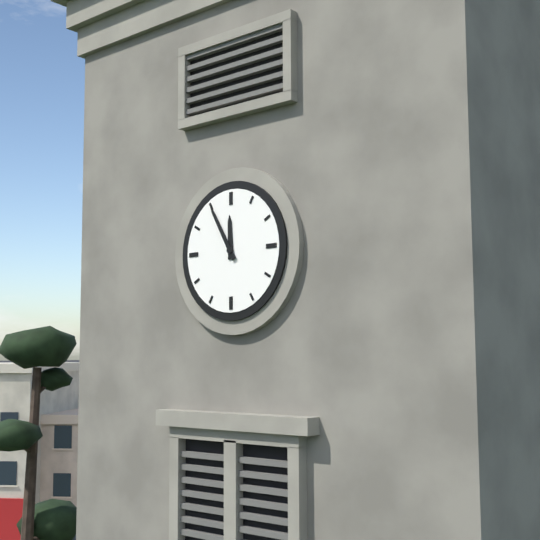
11:55
